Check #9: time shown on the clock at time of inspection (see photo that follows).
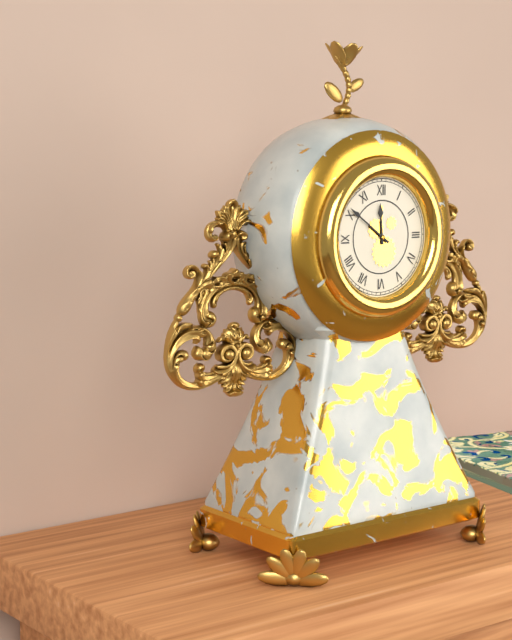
11:51
